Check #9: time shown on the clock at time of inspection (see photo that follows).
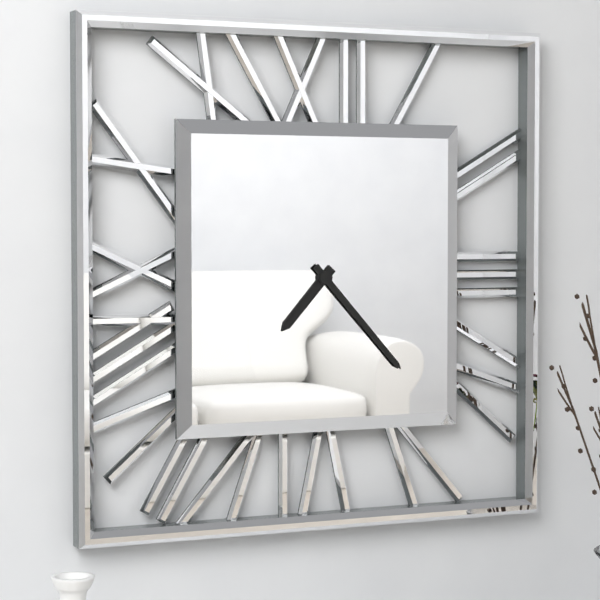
7:23
